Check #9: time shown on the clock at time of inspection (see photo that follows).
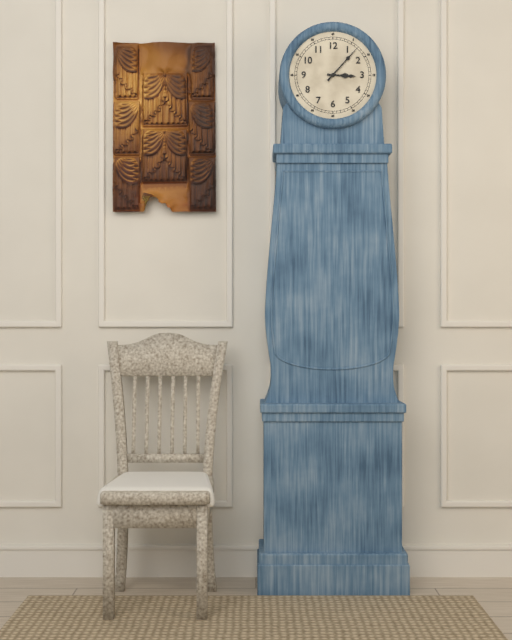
3:07
